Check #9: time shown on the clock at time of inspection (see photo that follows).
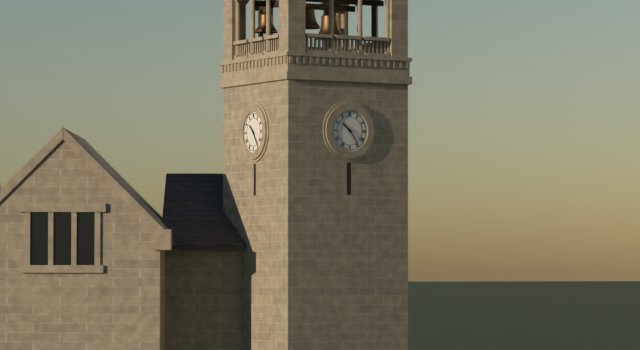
10:24
